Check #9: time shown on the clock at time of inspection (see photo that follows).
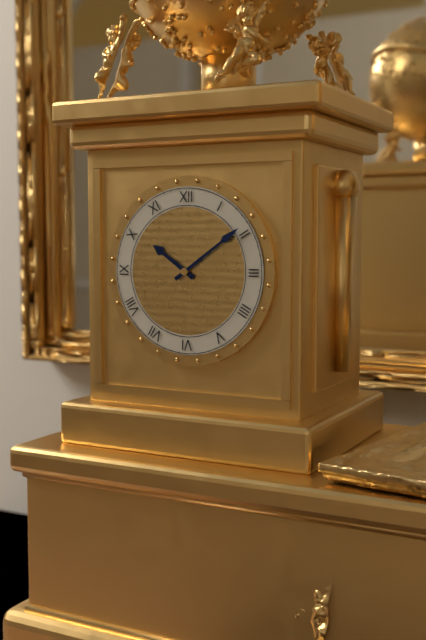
10:09
